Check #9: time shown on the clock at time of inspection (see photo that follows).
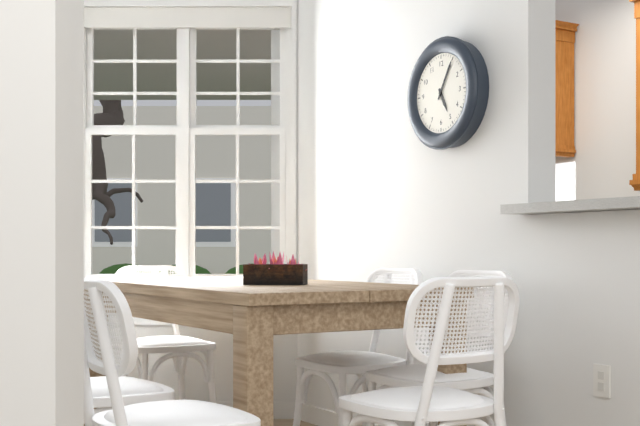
5:05
